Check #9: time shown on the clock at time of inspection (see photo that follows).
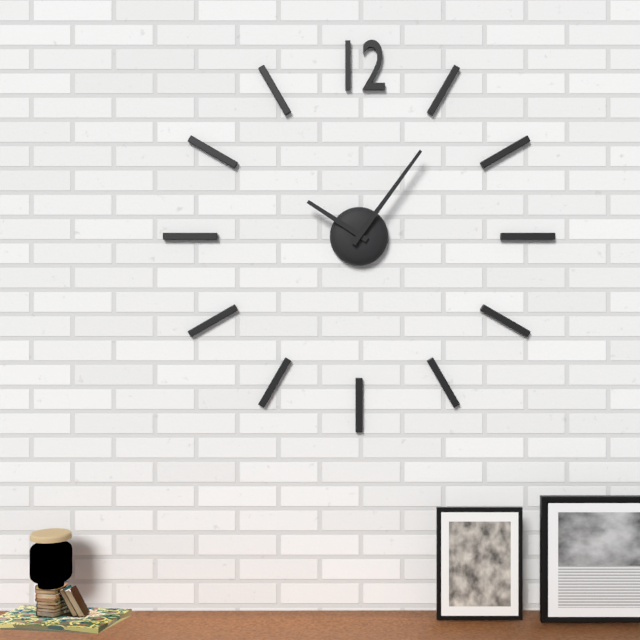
10:06
